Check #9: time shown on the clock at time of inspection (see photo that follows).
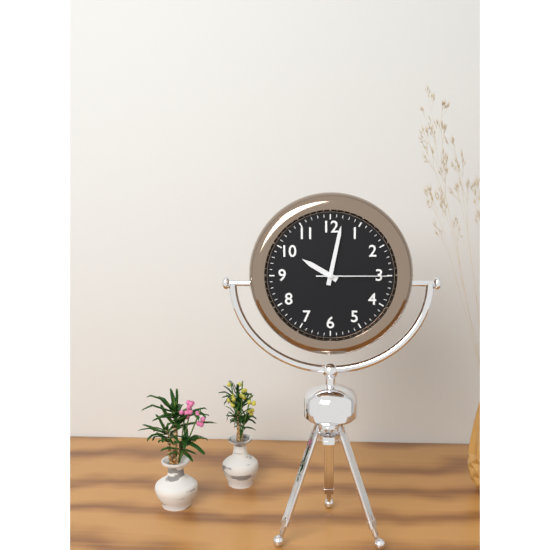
10:02:15
